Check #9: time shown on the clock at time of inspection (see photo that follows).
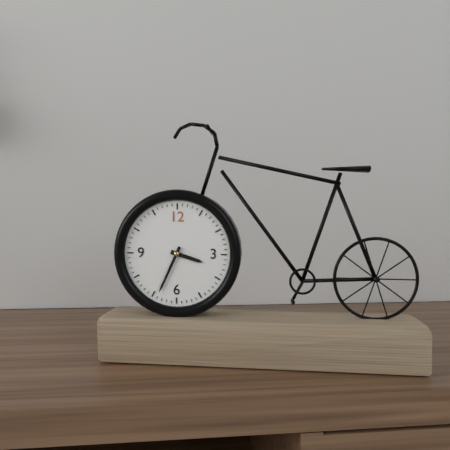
3:34
